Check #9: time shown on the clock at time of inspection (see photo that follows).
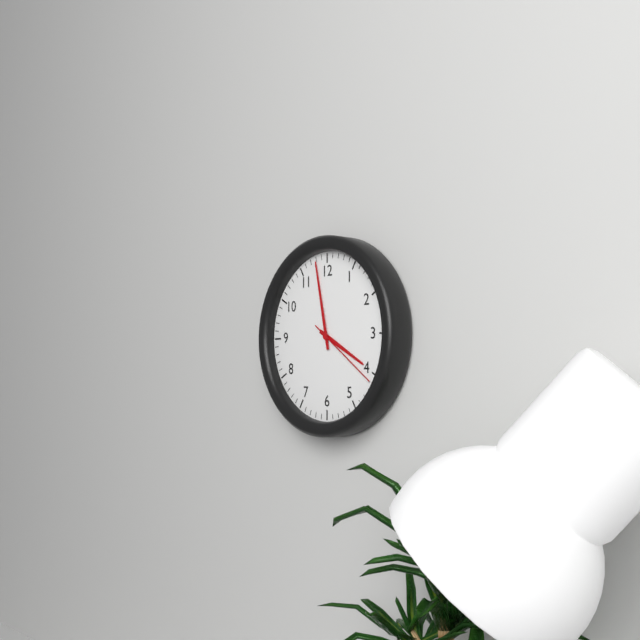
3:58:21
